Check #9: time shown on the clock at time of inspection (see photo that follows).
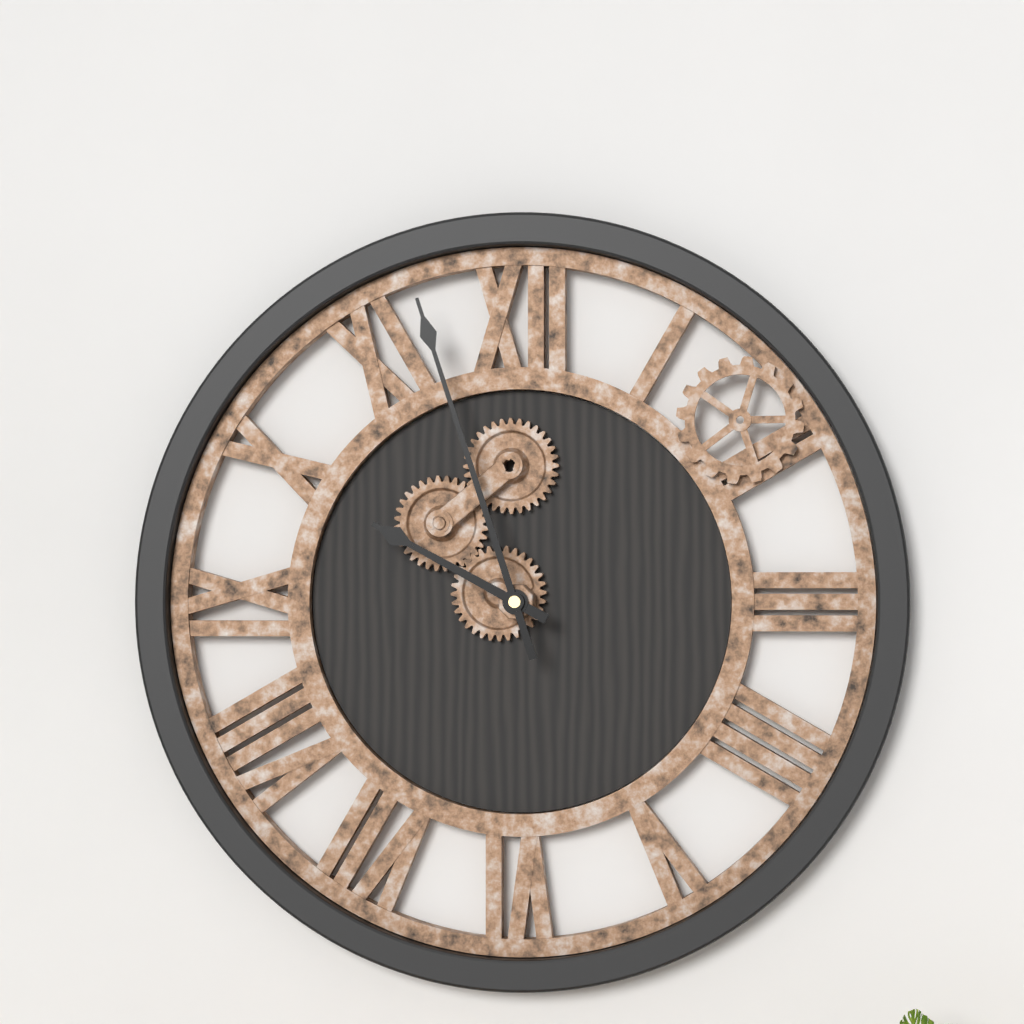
9:57
